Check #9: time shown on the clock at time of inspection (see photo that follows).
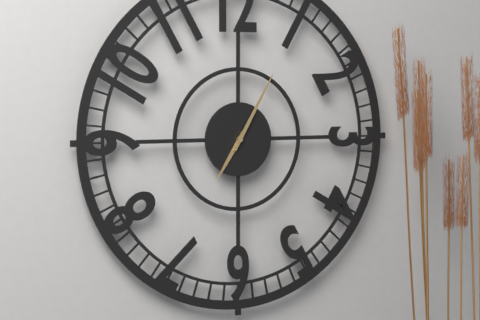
7:05
